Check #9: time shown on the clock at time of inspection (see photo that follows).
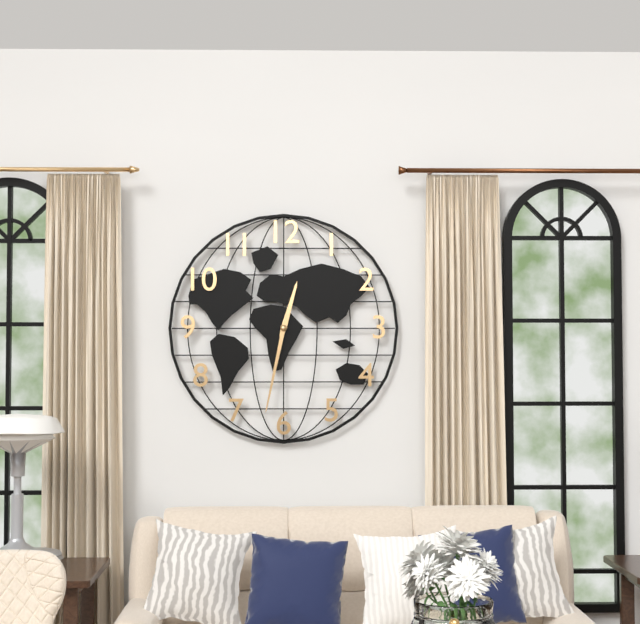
12:32
